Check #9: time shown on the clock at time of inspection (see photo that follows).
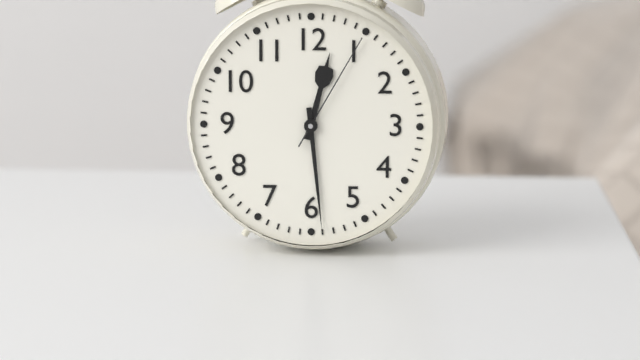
12:29:05
